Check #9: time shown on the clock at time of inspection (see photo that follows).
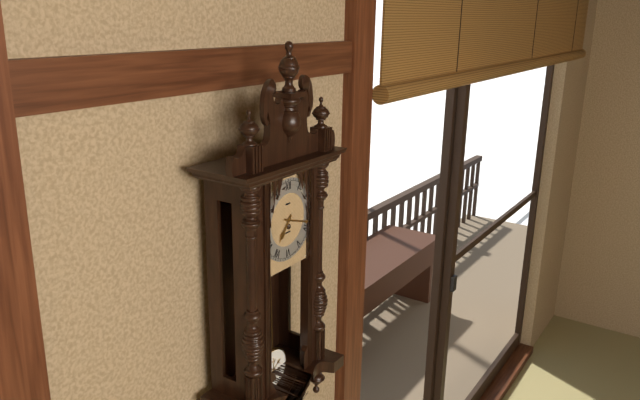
7:18
